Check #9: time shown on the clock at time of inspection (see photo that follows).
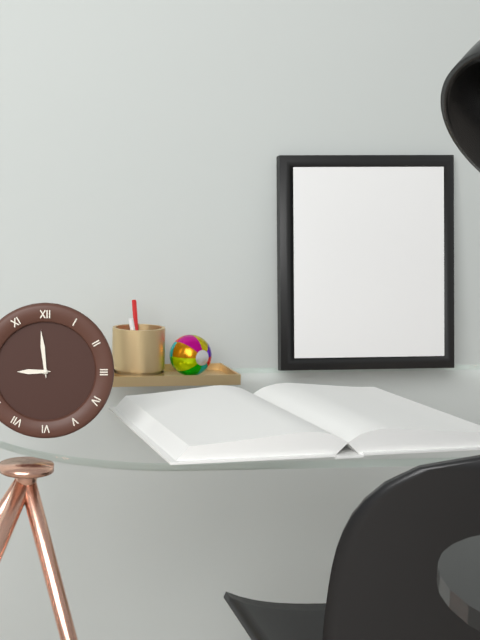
8:59
